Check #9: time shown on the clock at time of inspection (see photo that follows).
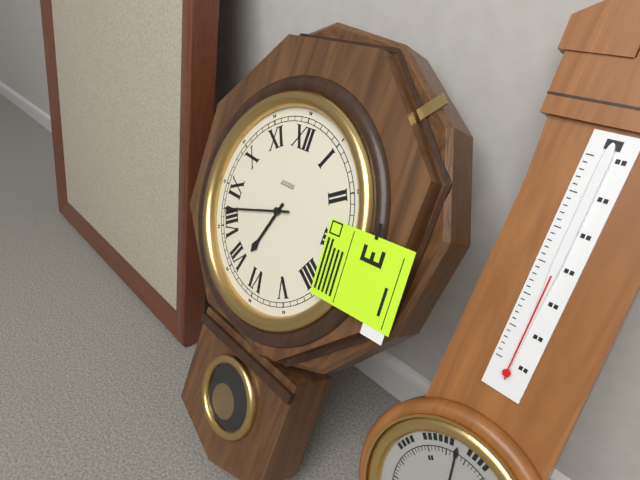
6:42
